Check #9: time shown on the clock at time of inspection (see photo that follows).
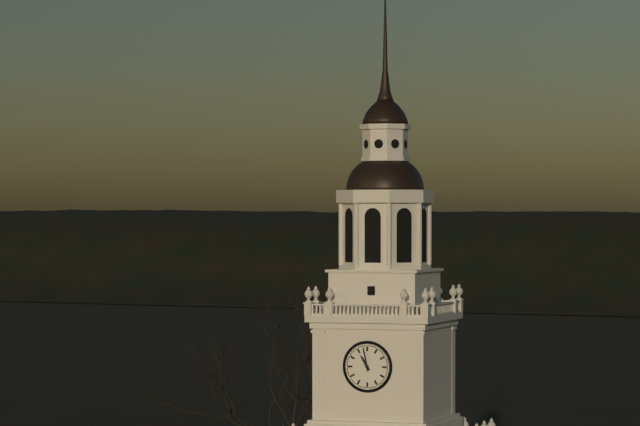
10:58
